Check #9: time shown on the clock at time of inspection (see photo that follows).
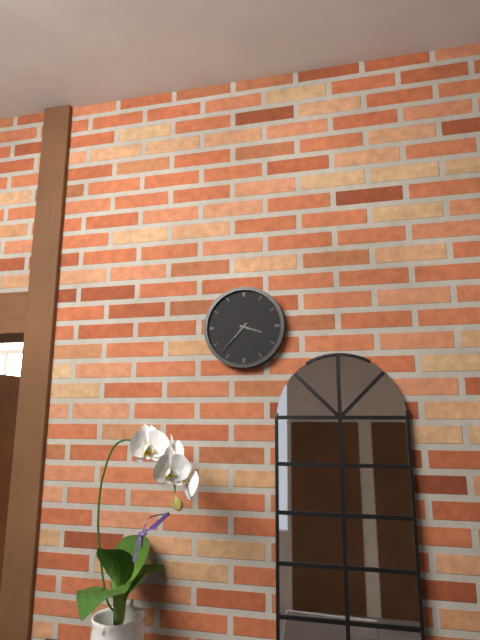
3:37
